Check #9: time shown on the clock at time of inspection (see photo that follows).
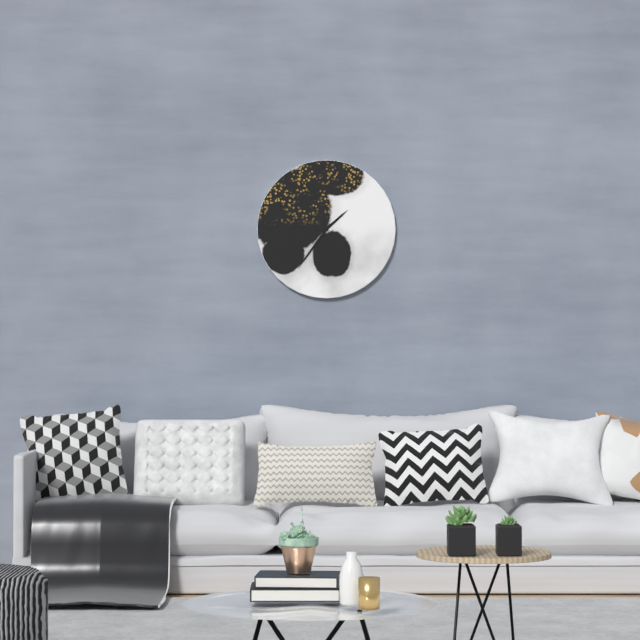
1:36
